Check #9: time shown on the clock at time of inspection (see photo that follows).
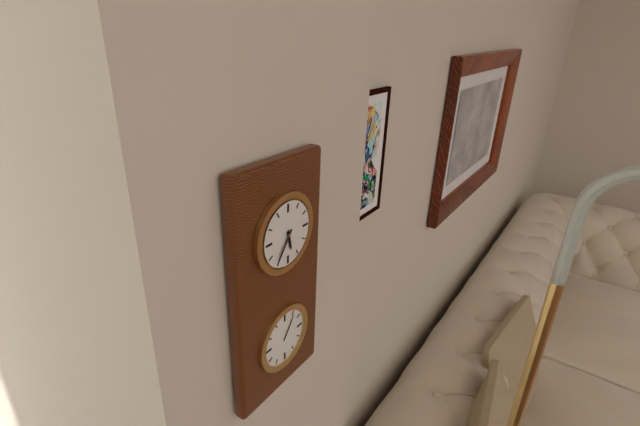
5:36
